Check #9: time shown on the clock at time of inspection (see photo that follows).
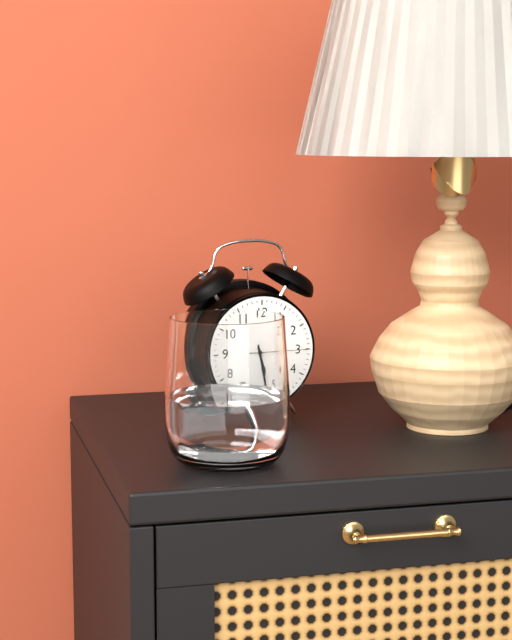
5:28:15
